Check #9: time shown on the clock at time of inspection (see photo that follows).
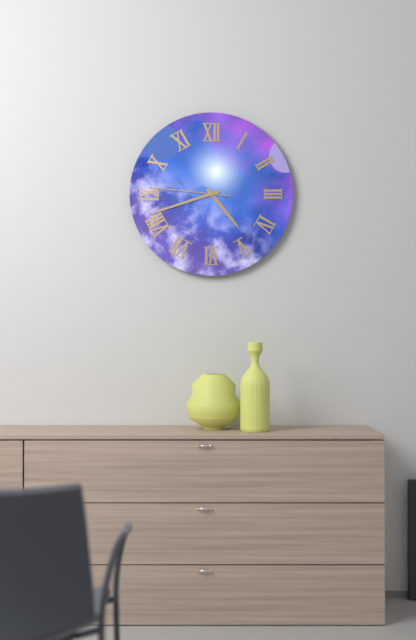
4:42:46
